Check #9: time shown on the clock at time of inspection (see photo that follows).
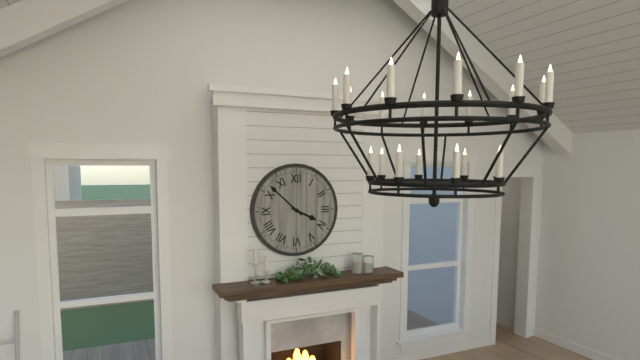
3:52
